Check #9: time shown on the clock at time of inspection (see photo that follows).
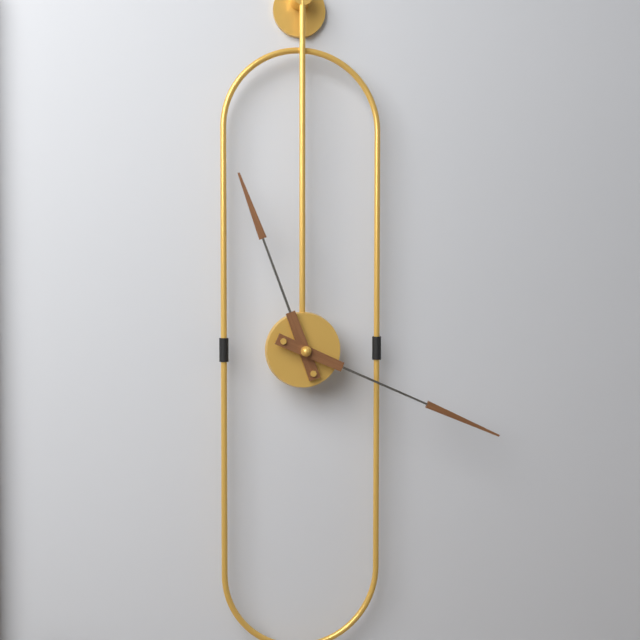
11:19
